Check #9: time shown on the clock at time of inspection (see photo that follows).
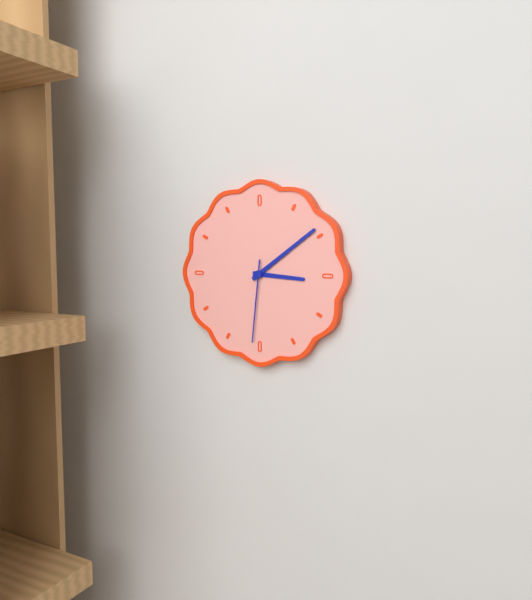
3:09:31
